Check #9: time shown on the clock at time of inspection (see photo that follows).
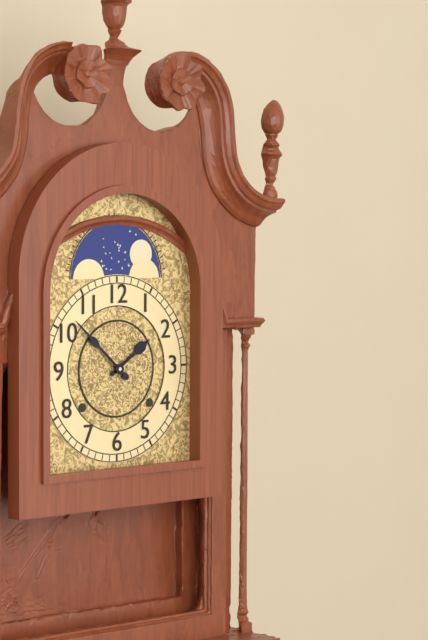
1:52
